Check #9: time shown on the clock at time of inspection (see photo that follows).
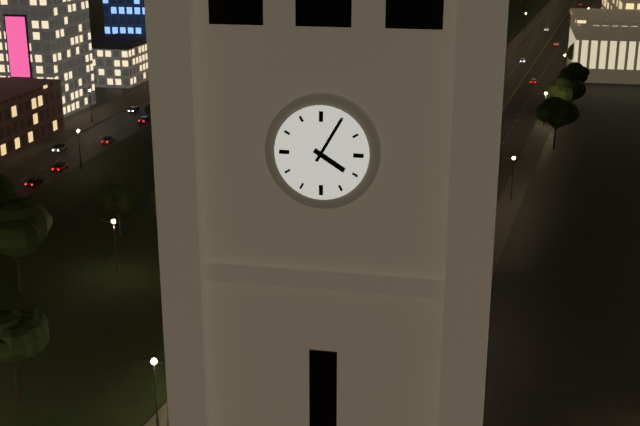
4:05
